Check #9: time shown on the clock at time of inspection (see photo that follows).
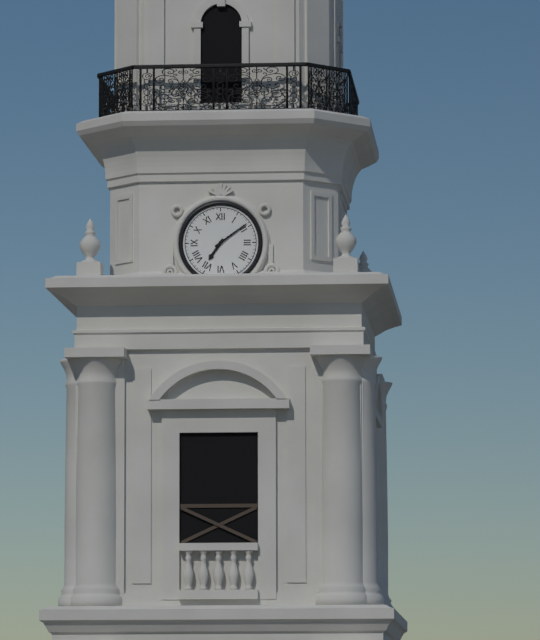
7:09
